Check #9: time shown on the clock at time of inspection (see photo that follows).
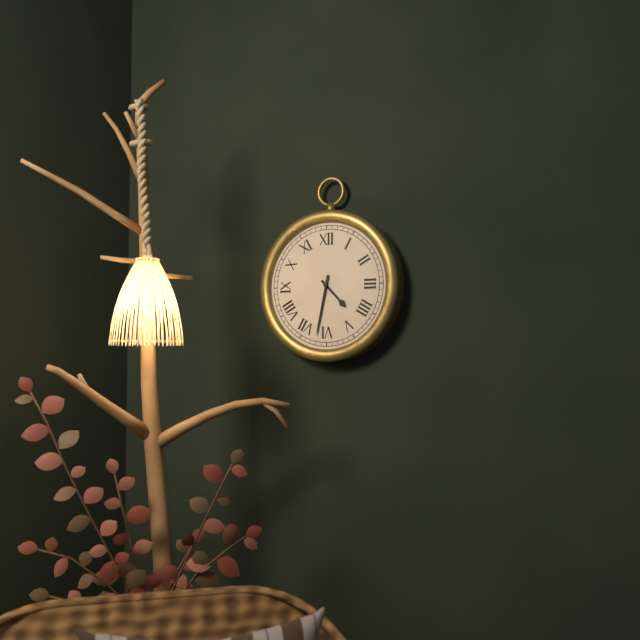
4:32
